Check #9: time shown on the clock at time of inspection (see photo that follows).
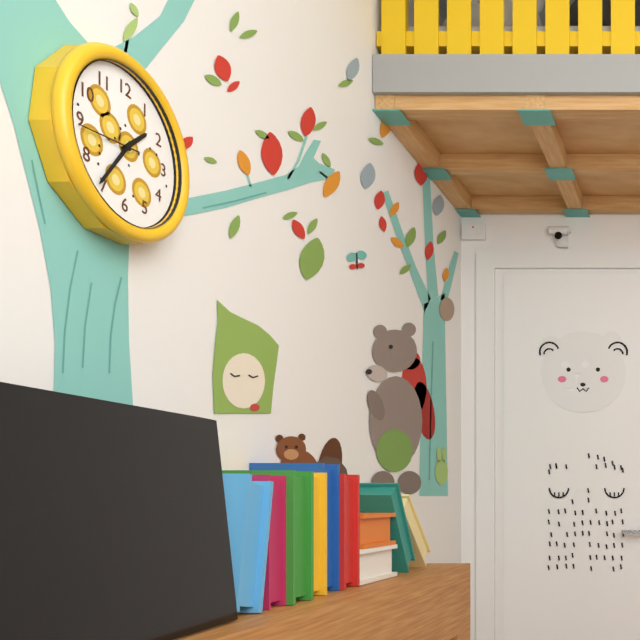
1:36:44
